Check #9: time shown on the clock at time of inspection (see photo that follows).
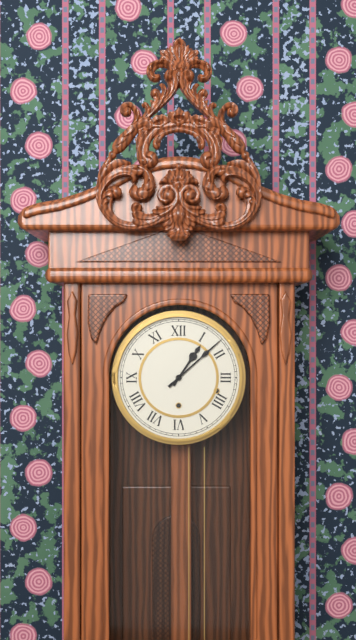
1:08
